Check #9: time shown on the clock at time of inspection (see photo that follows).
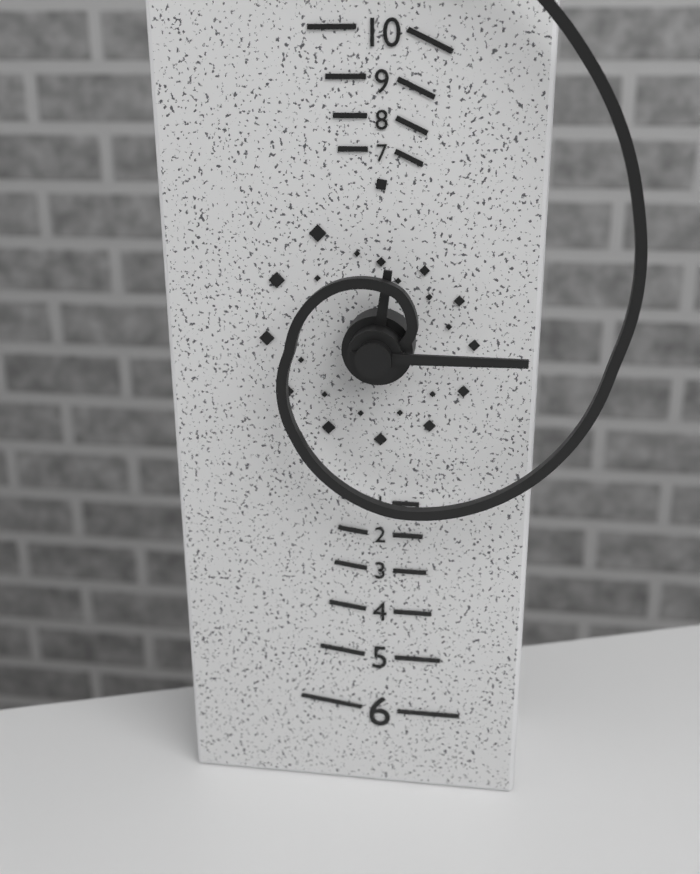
12:15
